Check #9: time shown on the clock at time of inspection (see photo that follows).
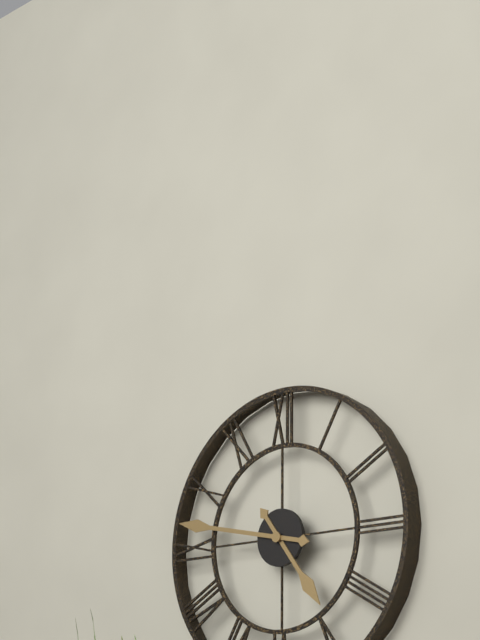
4:47
